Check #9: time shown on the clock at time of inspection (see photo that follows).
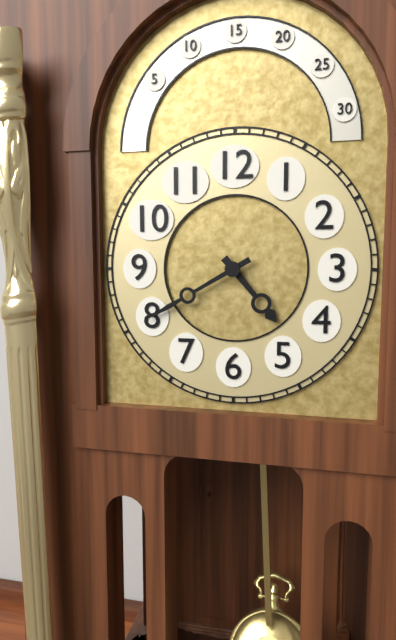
4:40
